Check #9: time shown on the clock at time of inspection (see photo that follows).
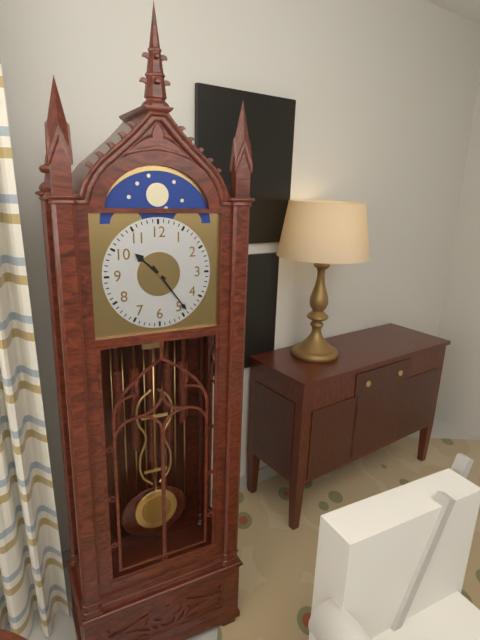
10:24
